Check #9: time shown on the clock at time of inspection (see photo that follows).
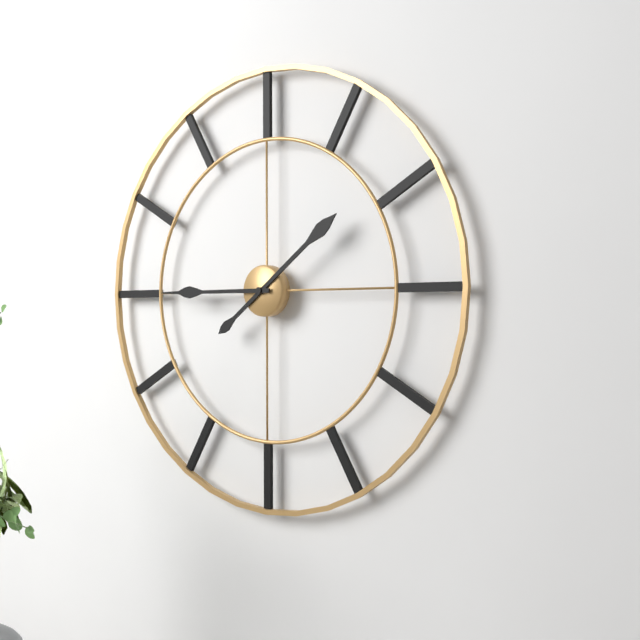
1:45
